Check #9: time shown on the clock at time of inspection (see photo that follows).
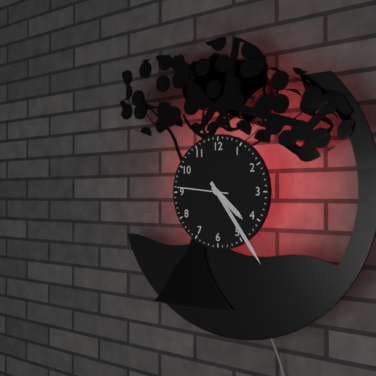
4:24:46
